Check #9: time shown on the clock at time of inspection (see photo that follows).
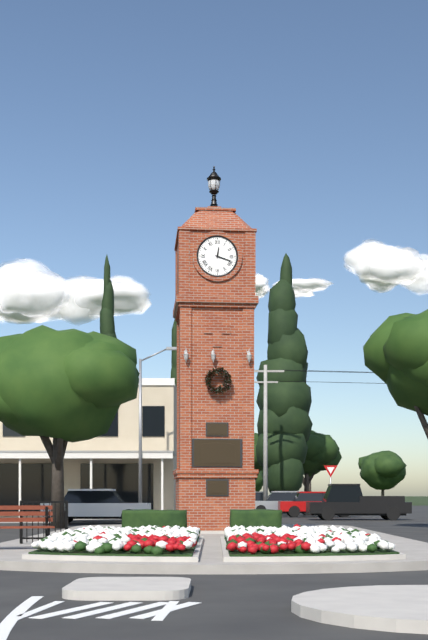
12:18
